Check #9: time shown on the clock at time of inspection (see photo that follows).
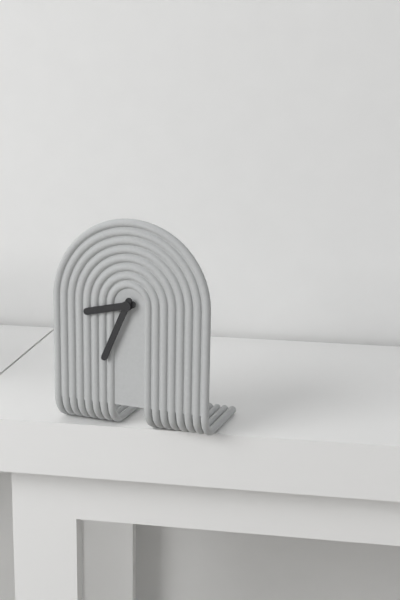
8:34
